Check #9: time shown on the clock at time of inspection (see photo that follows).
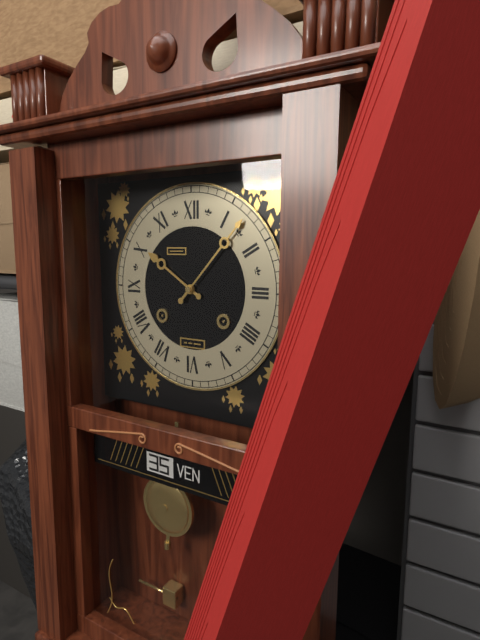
10:07
